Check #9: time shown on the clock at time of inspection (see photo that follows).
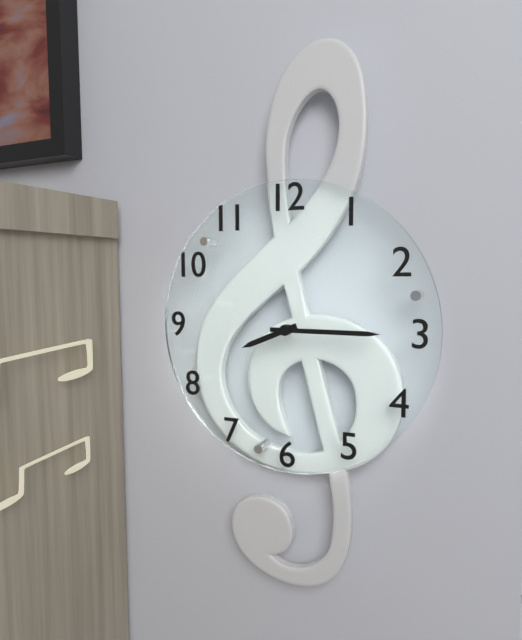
8:15
